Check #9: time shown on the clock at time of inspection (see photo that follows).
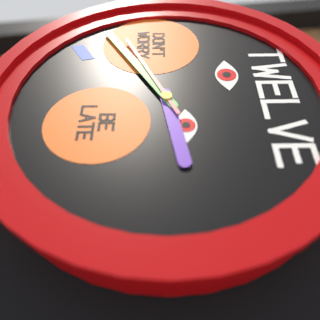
2:40:41
